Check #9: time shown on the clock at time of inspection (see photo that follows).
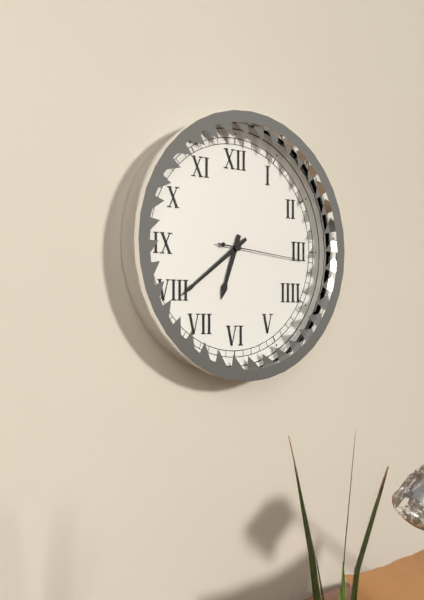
6:39:16
